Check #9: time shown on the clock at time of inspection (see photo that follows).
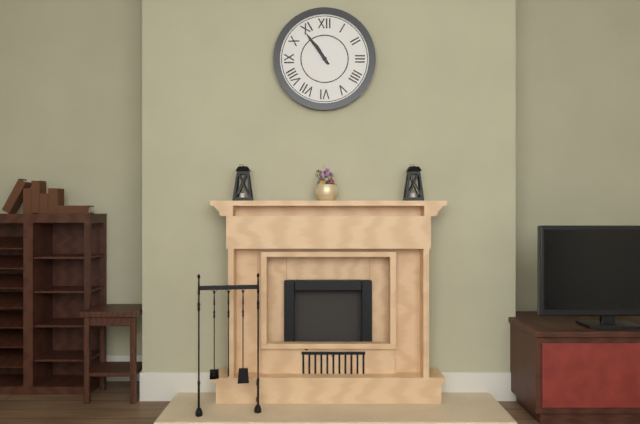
10:54
